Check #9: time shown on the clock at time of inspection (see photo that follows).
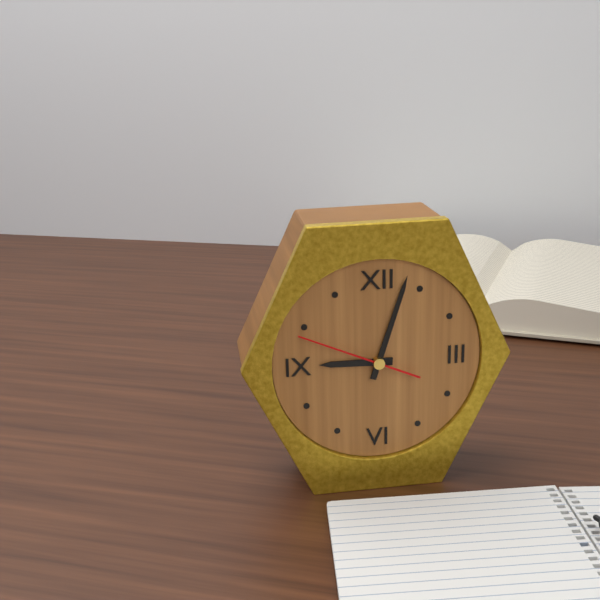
9:03:49
